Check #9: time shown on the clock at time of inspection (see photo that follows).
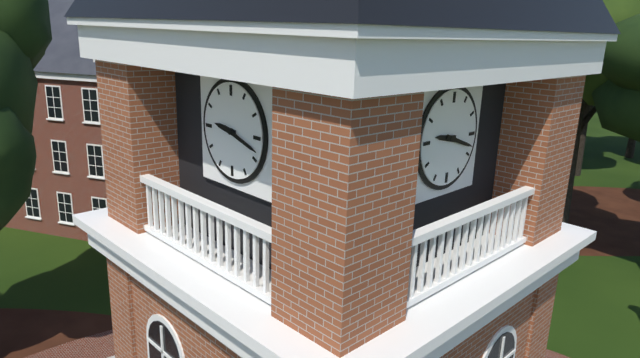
9:18
